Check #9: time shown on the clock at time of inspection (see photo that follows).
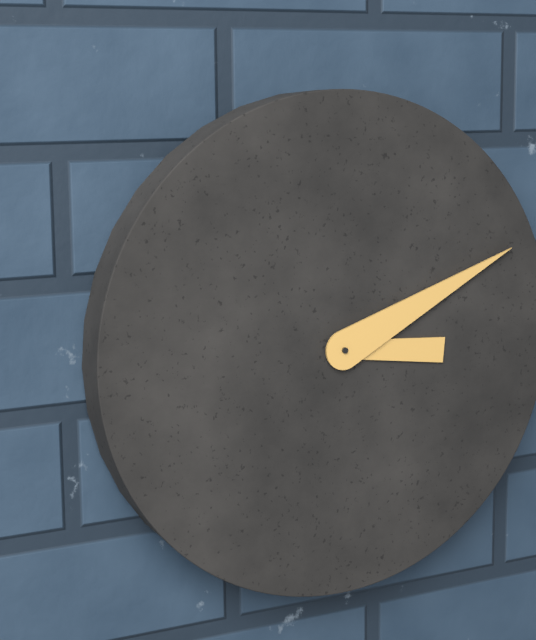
3:11
